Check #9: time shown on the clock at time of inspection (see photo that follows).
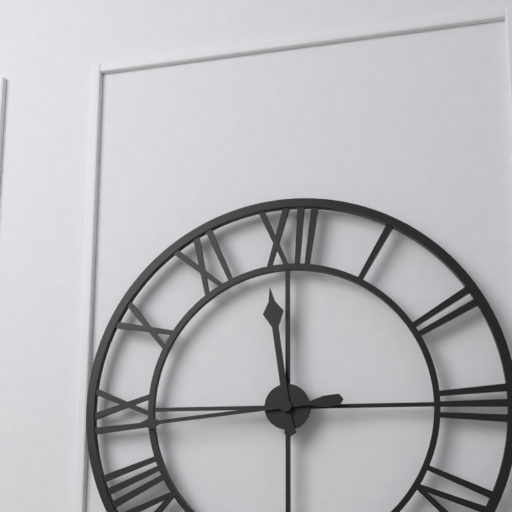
11:44
